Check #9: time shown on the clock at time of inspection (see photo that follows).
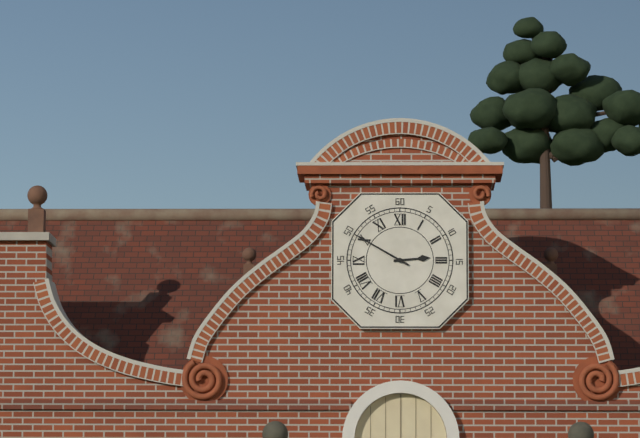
2:50
